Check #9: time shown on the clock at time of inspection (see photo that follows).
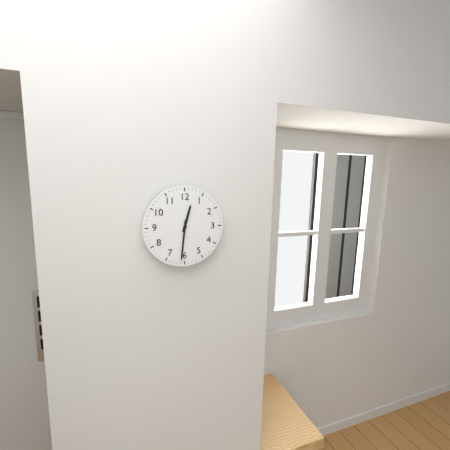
12:31
